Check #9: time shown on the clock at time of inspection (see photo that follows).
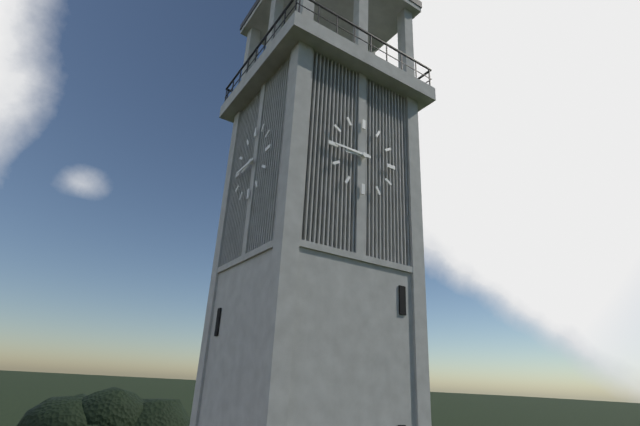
8:45
